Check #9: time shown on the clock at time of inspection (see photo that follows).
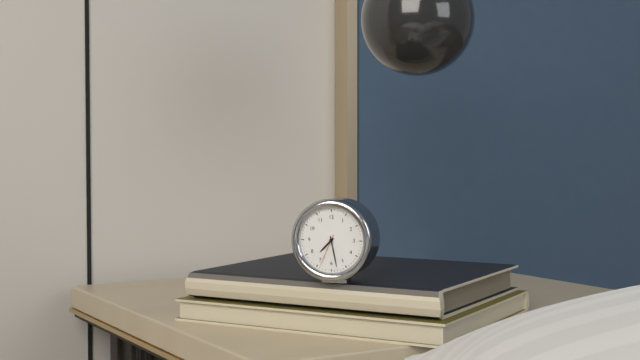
7:28
